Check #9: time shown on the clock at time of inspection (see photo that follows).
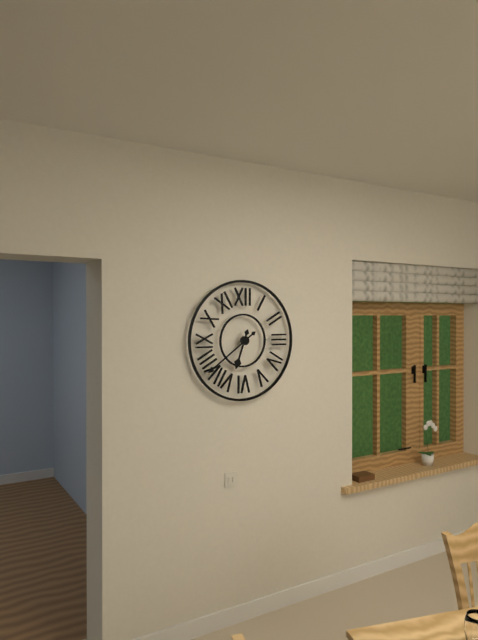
6:39
